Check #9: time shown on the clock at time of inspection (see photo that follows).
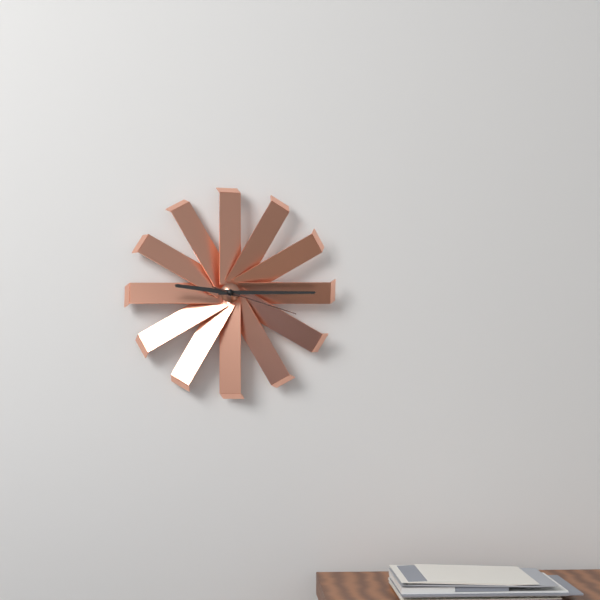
9:15:18
